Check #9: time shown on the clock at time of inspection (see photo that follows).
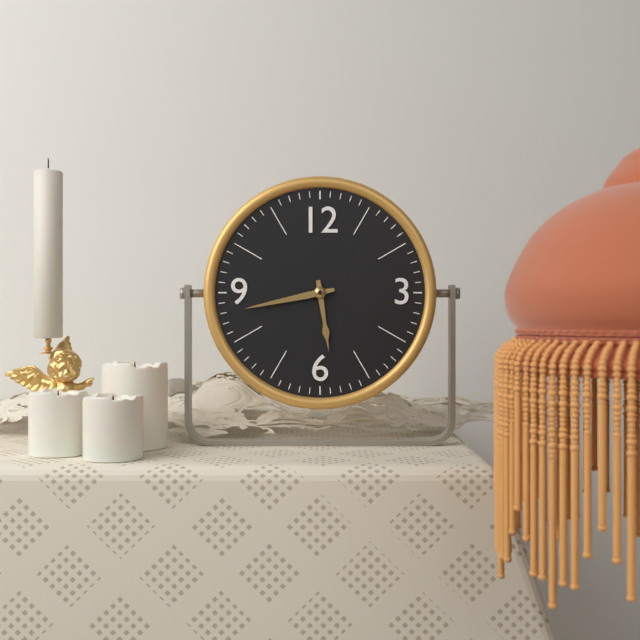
5:43
